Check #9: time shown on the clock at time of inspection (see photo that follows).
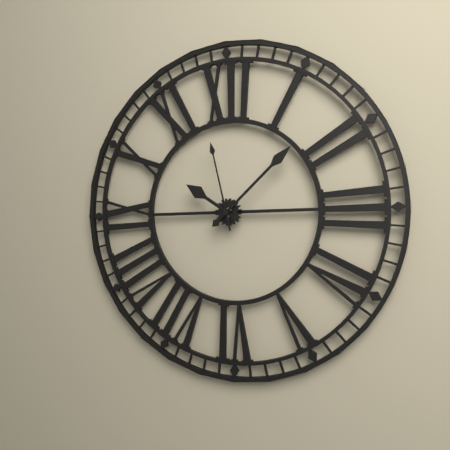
10:08:58
